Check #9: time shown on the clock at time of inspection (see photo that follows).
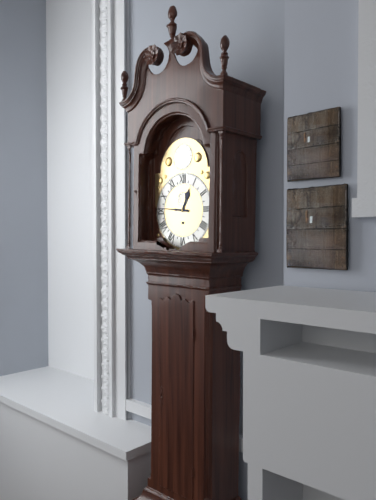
12:46
